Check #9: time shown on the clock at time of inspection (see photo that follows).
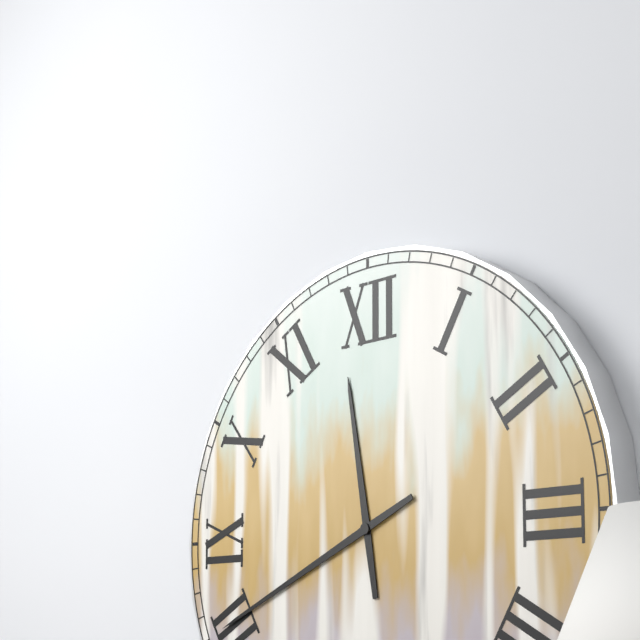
11:41
